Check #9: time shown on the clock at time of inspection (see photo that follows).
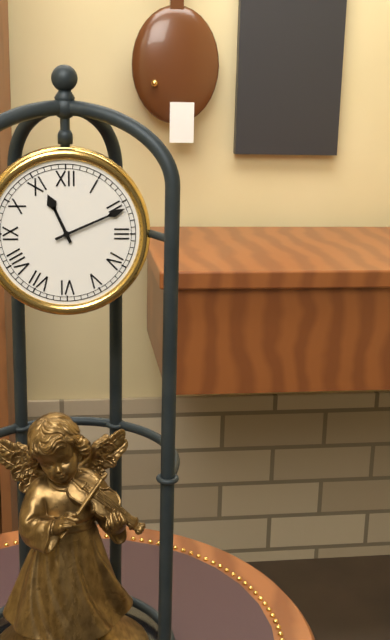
11:11
